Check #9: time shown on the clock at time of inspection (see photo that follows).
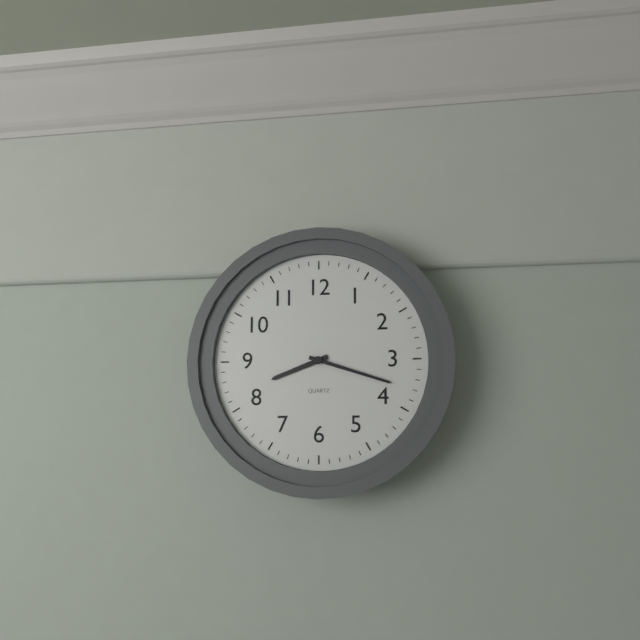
8:18
